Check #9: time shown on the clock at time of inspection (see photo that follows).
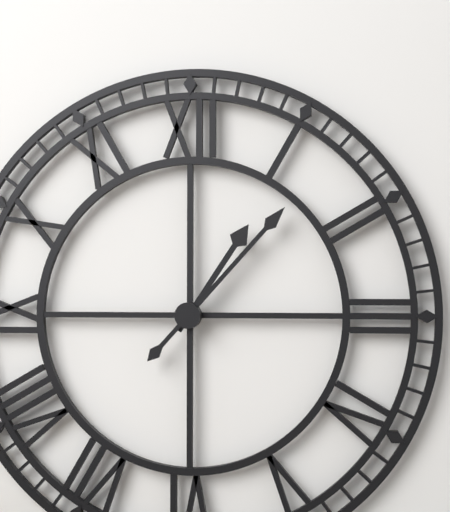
1:07
